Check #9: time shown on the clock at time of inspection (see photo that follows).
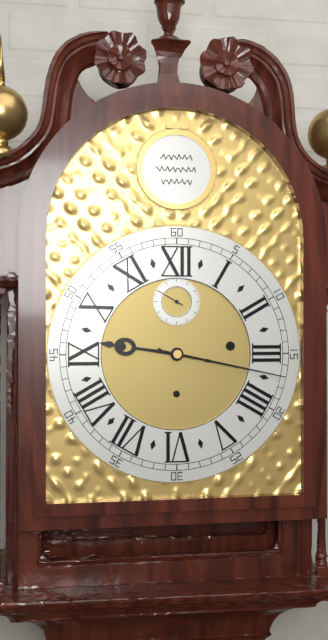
9:17
